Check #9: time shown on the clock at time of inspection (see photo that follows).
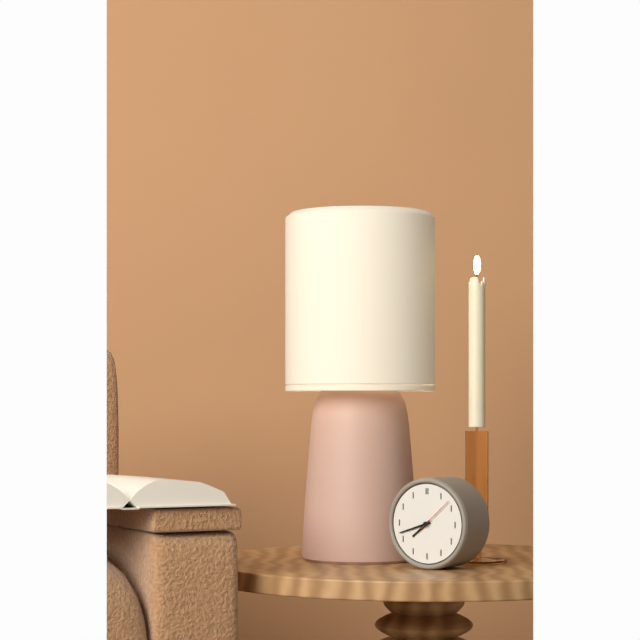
7:42
